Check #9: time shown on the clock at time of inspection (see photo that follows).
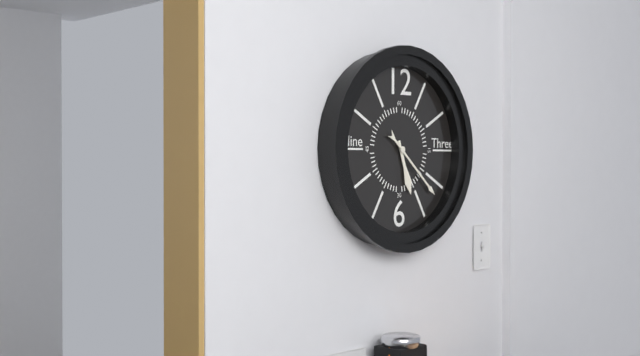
5:22
